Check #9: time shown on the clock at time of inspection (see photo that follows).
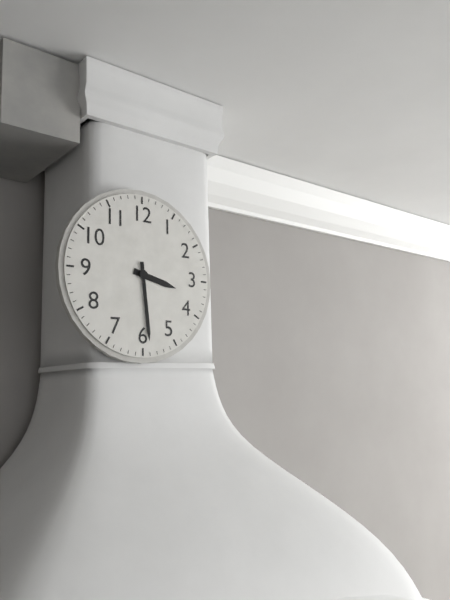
3:29
